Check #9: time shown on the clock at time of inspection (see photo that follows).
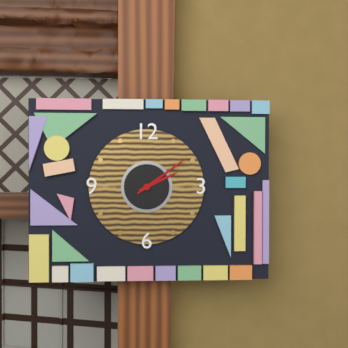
2:09
